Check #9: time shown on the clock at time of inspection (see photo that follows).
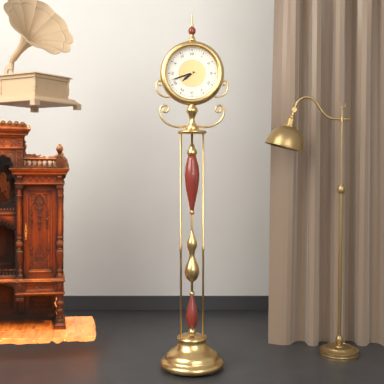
7:42
